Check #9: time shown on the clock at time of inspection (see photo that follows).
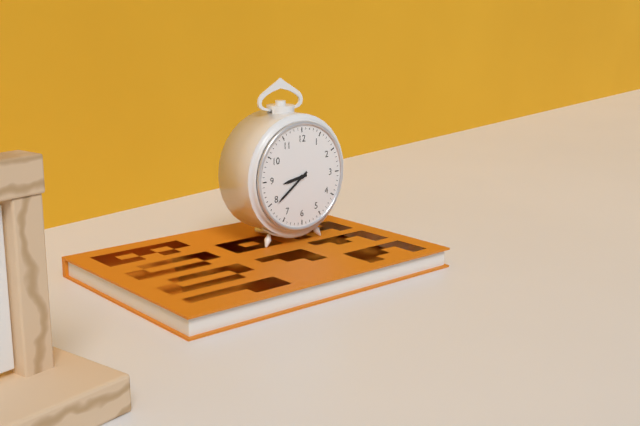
8:39
